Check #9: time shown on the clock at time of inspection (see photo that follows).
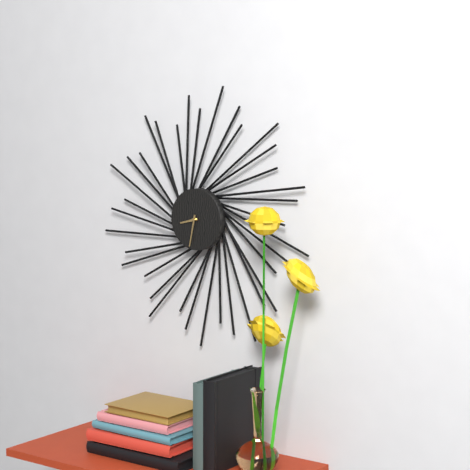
8:32
